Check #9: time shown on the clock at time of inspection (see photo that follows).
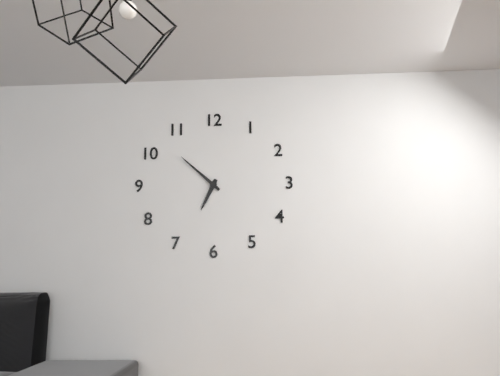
6:52
